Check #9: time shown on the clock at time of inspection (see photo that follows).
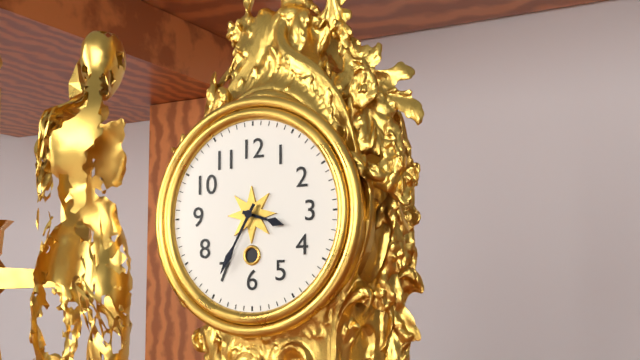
3:35
